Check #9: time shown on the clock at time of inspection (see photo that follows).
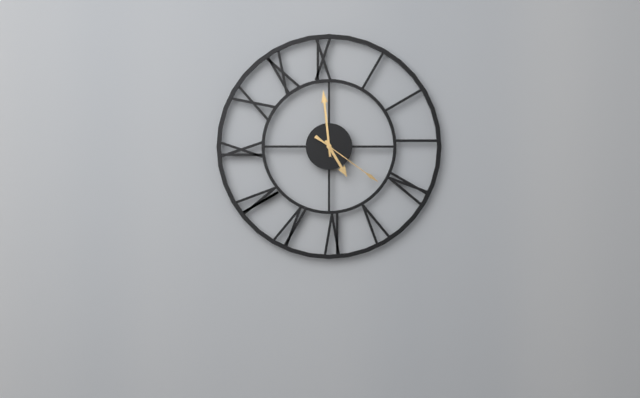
4:59:21
